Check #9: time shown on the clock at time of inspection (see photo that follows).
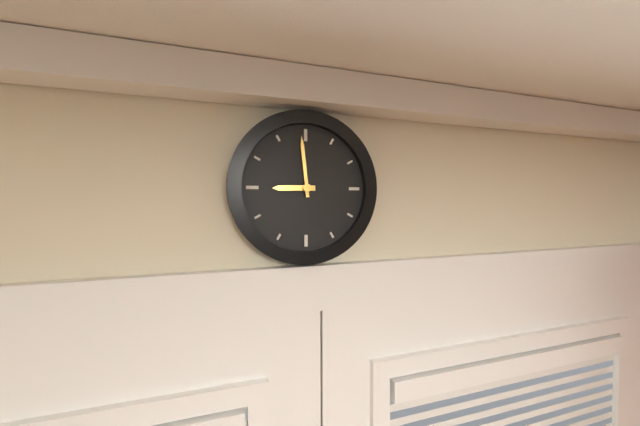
8:59
